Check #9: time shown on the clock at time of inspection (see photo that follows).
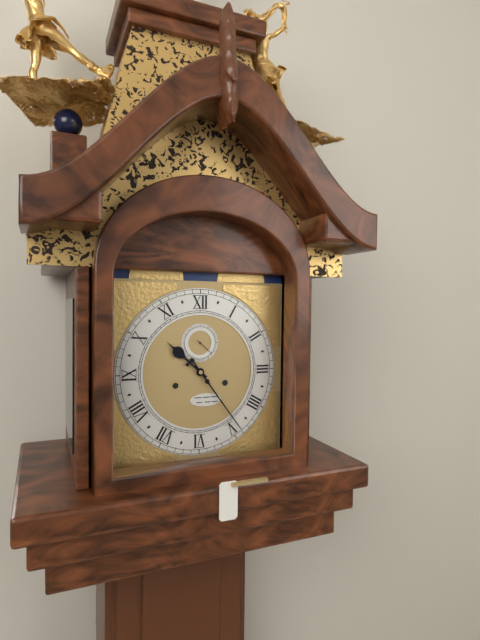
10:24
